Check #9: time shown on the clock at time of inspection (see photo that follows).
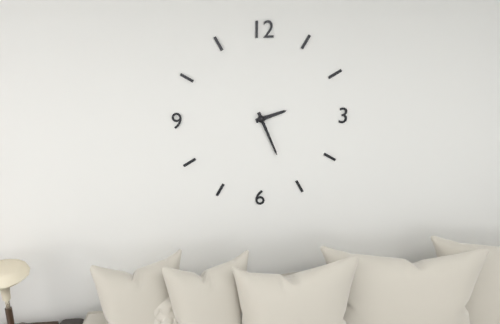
2:26
